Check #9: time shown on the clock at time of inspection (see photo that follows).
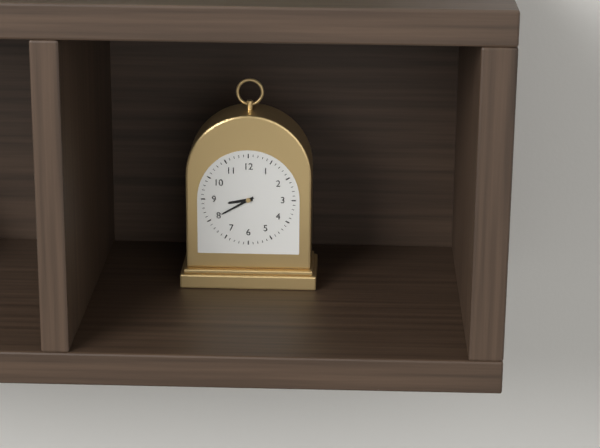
8:40
